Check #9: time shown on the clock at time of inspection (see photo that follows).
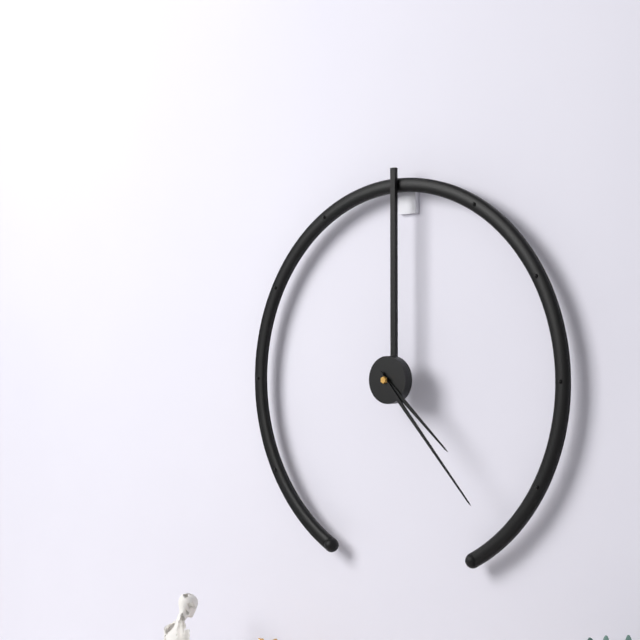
4:23
